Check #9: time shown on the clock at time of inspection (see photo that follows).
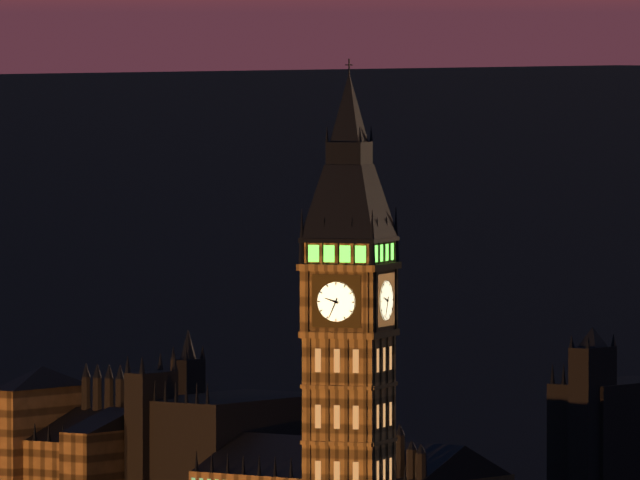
9:34
